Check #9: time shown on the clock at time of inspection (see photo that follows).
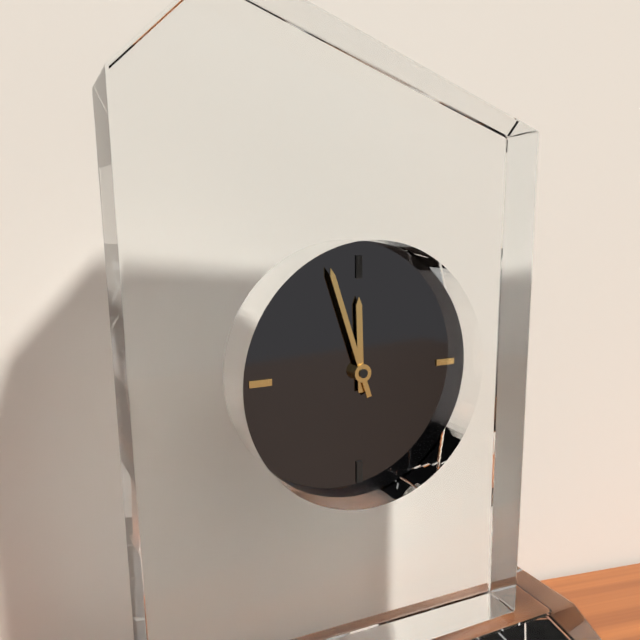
11:57
